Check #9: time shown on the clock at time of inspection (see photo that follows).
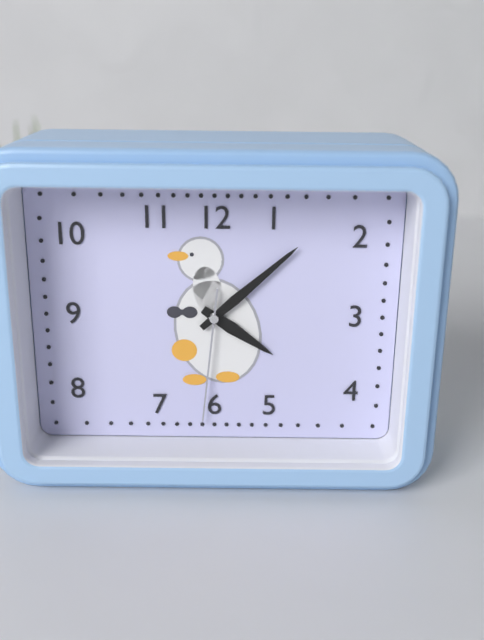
4:08:31
